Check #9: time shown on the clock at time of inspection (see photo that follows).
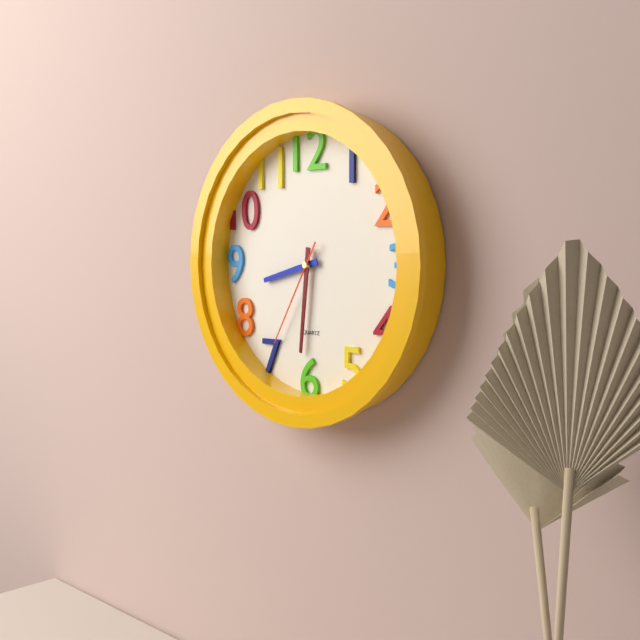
8:31:35
